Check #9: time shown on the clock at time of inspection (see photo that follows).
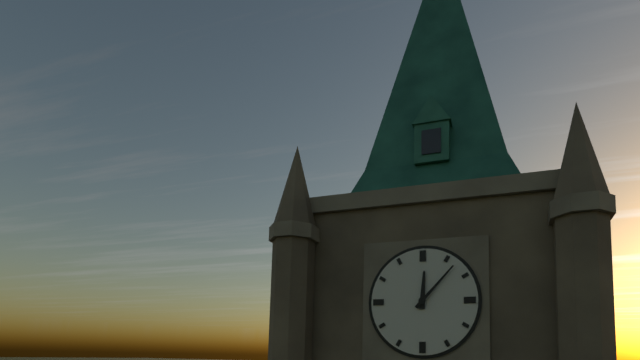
12:07
